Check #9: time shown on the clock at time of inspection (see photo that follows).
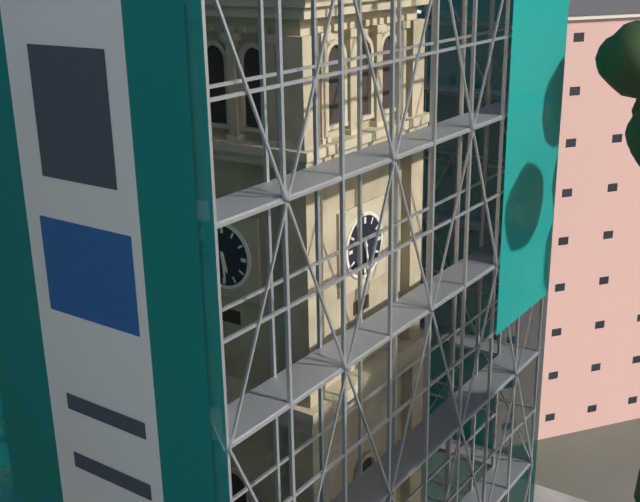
5:29
